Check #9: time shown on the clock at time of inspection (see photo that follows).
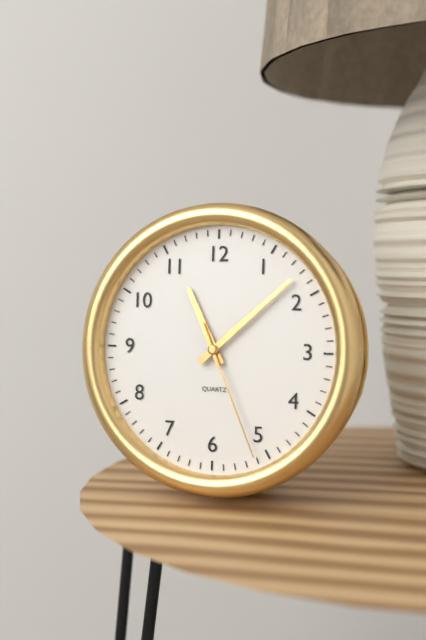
11:08:26
